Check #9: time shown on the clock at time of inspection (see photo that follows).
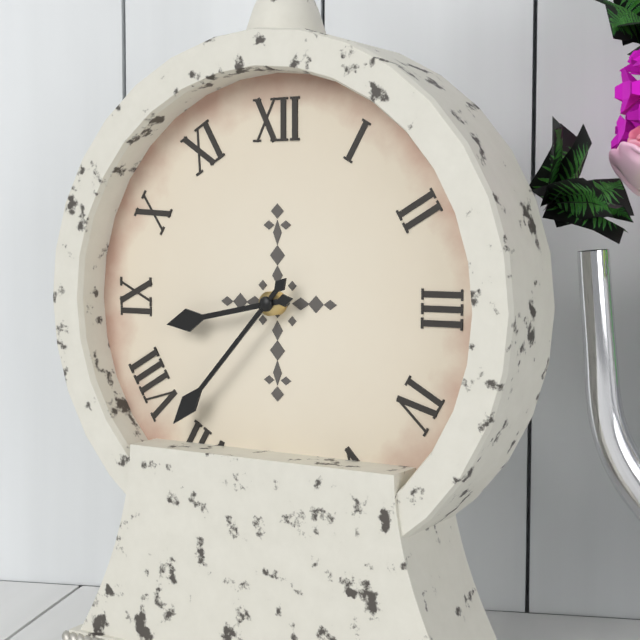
8:37
